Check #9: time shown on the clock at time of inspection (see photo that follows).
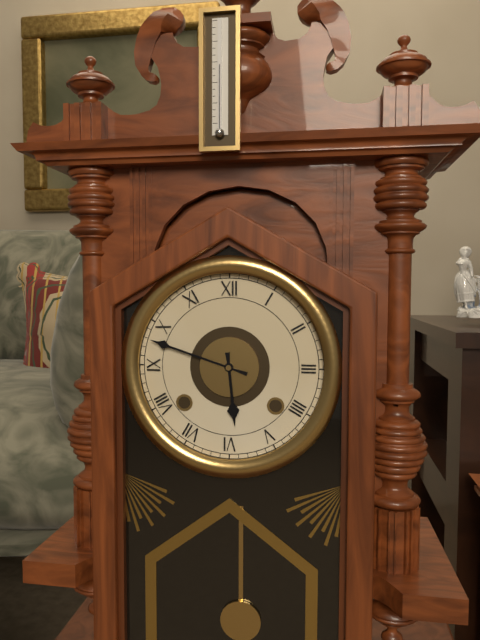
5:48
